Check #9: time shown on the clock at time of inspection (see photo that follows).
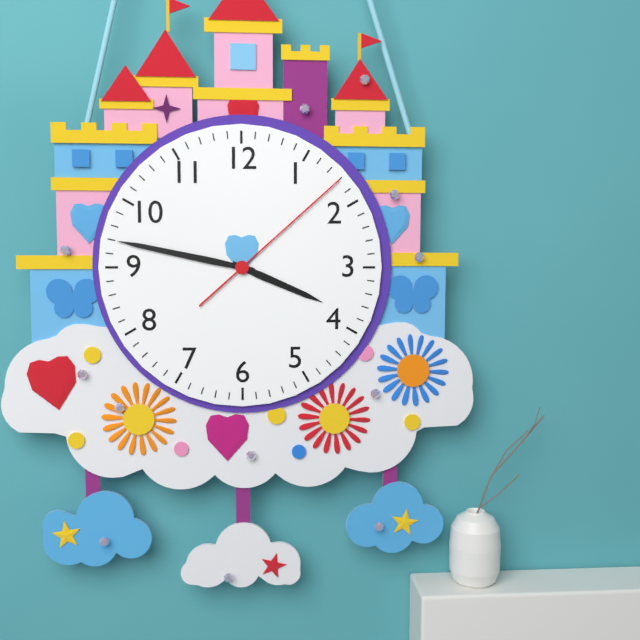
3:47:08
